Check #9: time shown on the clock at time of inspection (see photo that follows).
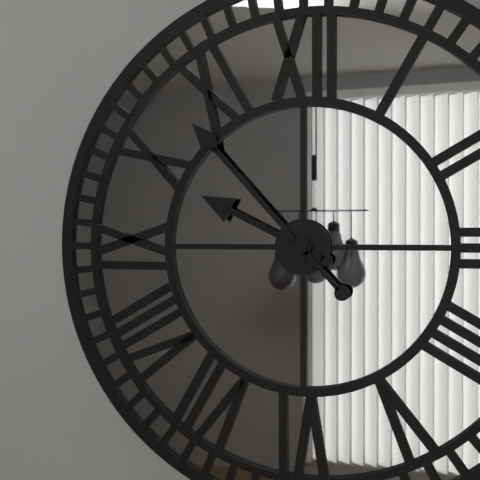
9:53
